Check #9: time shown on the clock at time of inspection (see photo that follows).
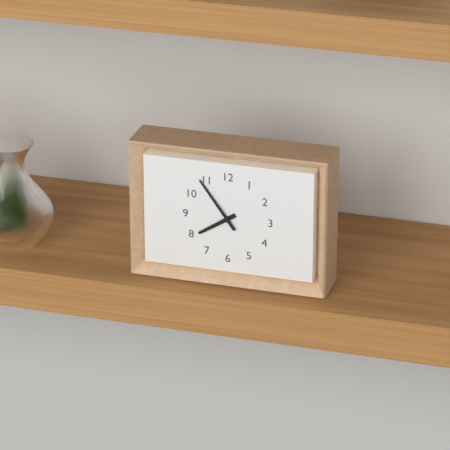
7:54
